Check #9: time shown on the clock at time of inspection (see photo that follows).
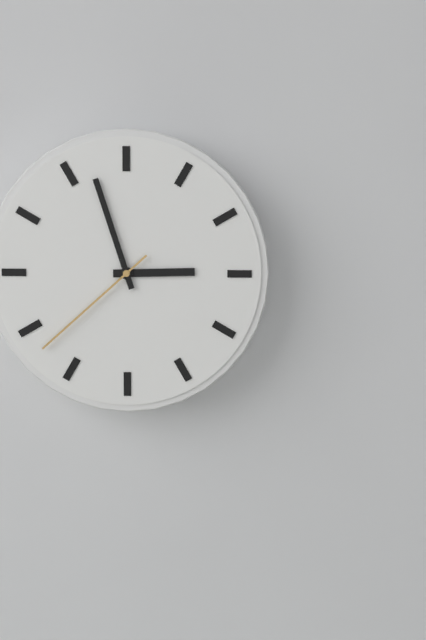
2:57:38
